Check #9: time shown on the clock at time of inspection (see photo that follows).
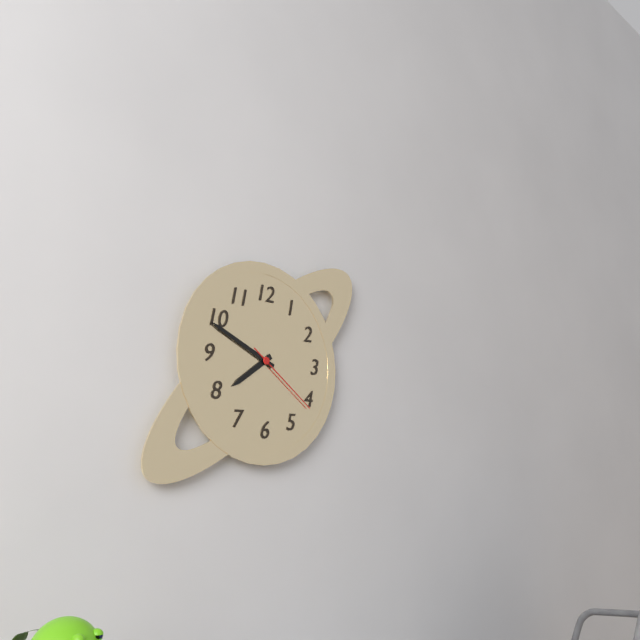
7:49:21
